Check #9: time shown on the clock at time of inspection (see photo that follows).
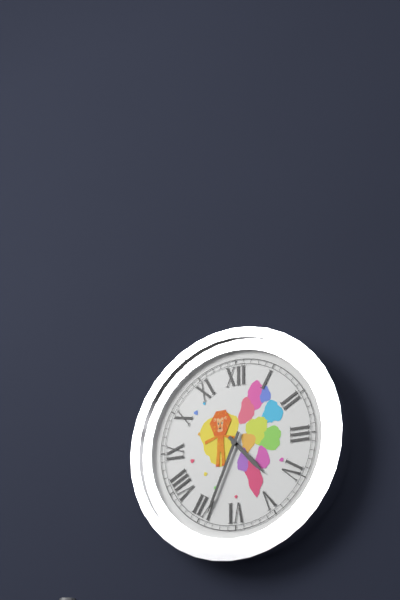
4:34
